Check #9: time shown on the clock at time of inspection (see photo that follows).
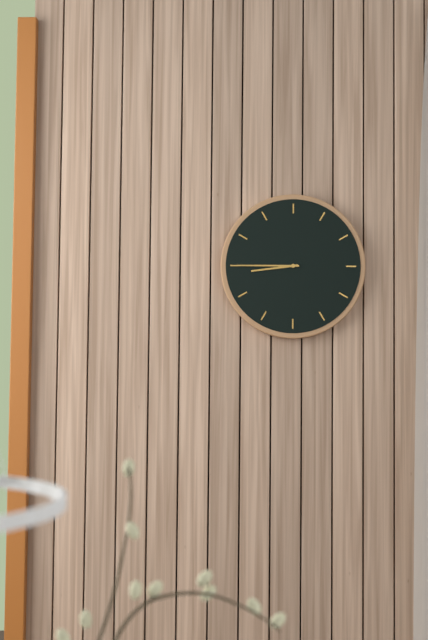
8:45
